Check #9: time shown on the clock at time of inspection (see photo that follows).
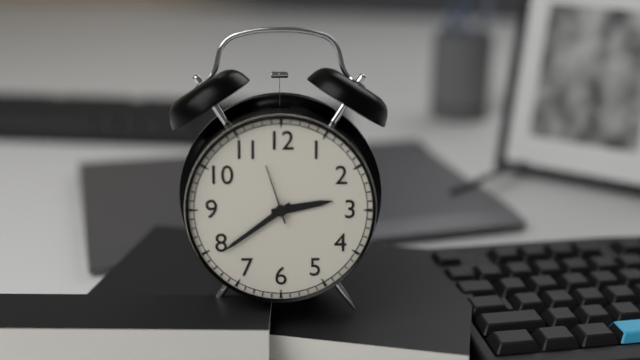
2:39
